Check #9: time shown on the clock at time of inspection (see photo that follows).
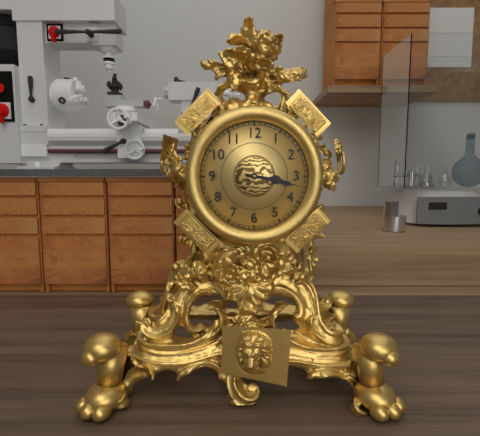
3:17
